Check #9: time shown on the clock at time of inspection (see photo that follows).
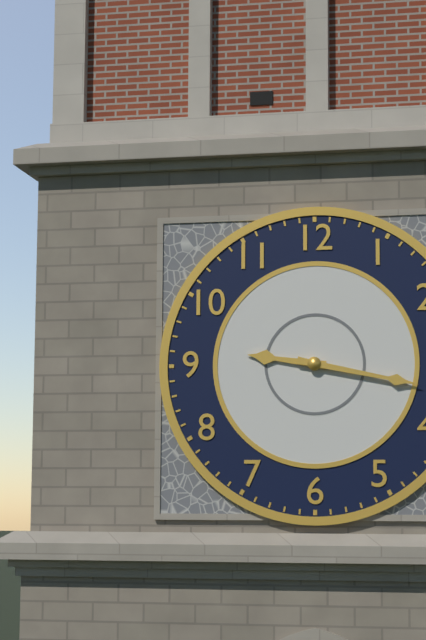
9:17
